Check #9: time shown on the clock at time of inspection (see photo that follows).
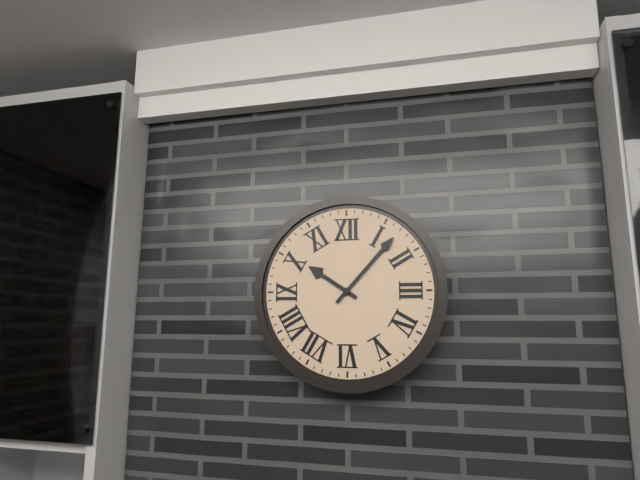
10:07
